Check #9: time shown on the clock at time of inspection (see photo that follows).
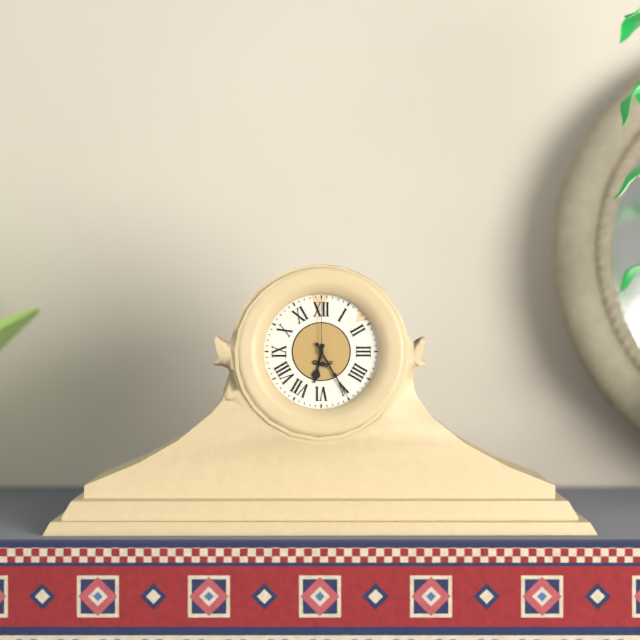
6:25:00
